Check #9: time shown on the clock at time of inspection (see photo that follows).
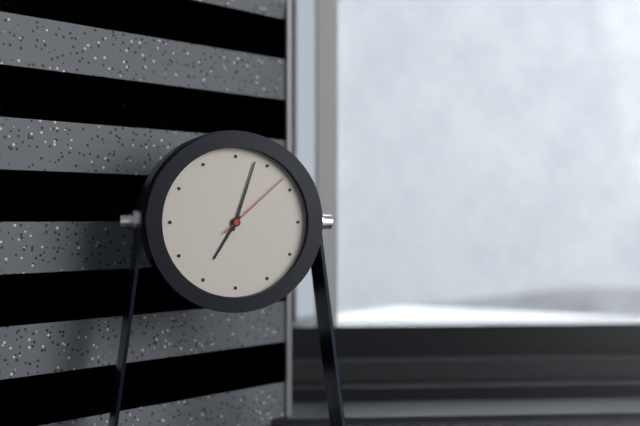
7:03:08
